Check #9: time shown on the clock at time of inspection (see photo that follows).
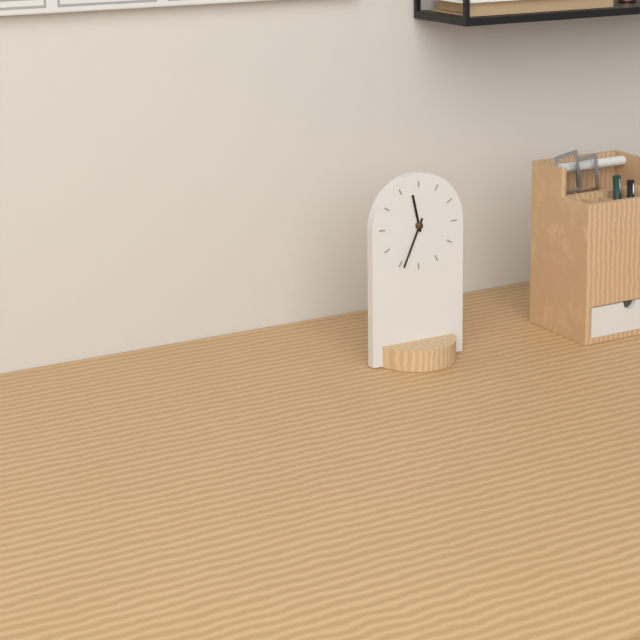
11:34
